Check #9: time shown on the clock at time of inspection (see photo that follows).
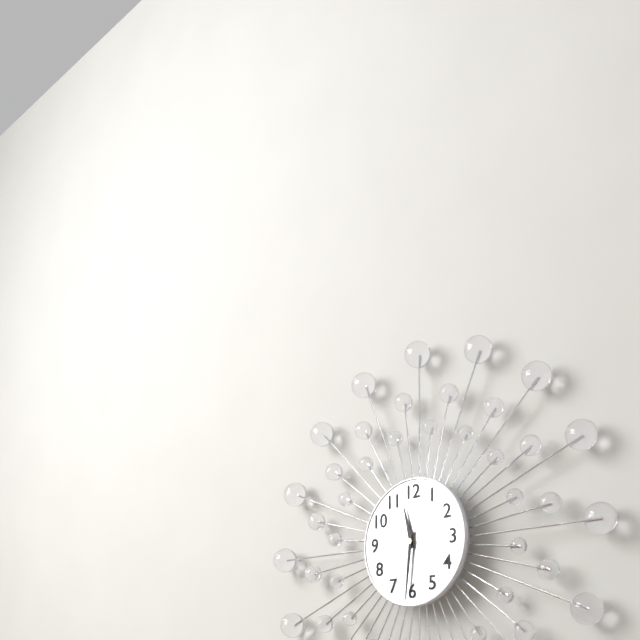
11:31
